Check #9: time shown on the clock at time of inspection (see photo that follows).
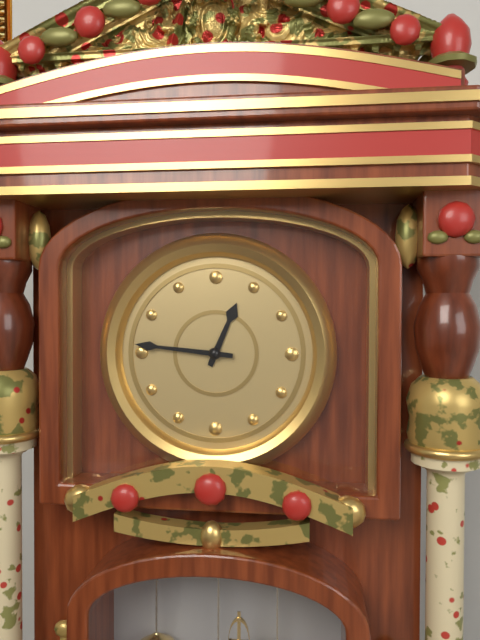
12:46
